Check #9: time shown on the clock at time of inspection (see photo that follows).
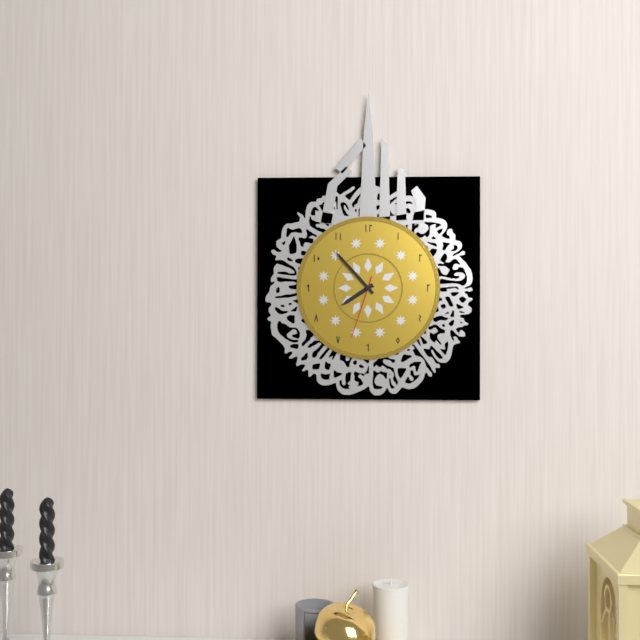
7:53:33
